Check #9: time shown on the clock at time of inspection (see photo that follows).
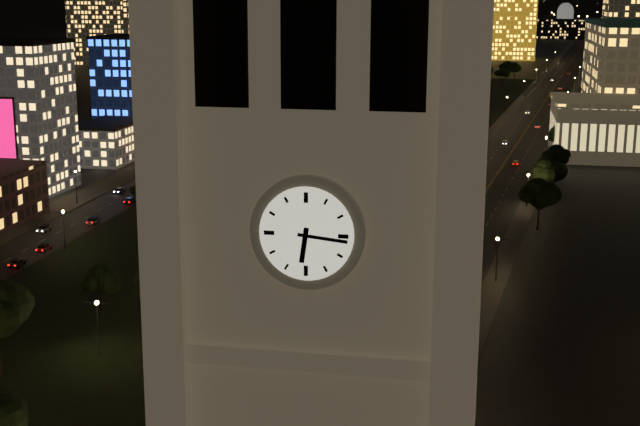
6:16
